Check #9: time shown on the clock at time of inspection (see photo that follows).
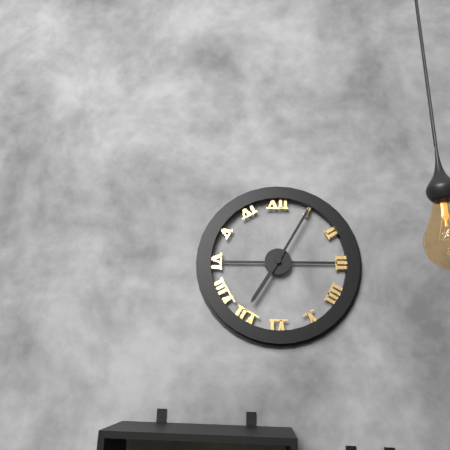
7:05
